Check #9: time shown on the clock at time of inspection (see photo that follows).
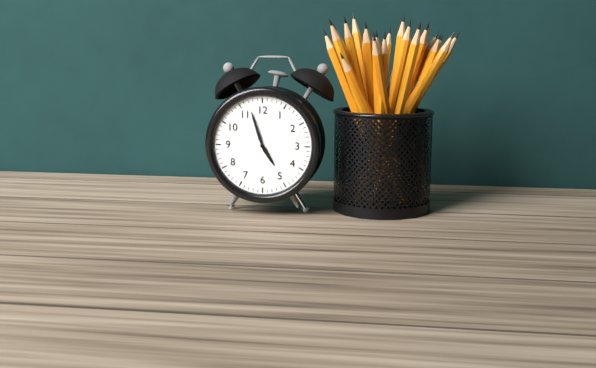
4:57
